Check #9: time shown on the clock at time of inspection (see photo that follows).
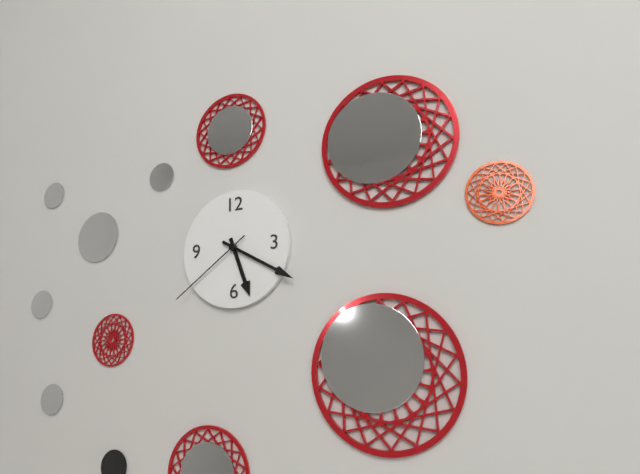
5:20:39
